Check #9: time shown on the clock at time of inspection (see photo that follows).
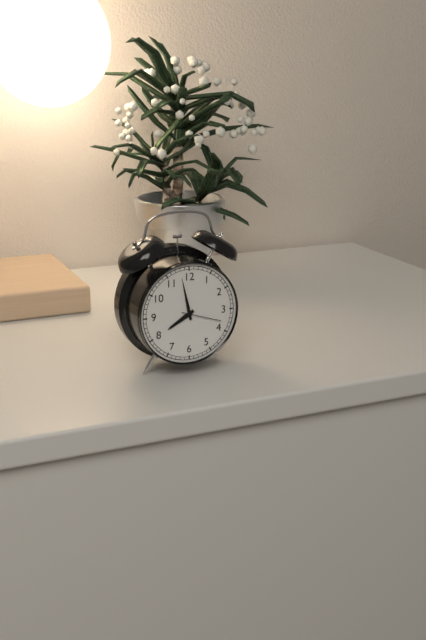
7:58
